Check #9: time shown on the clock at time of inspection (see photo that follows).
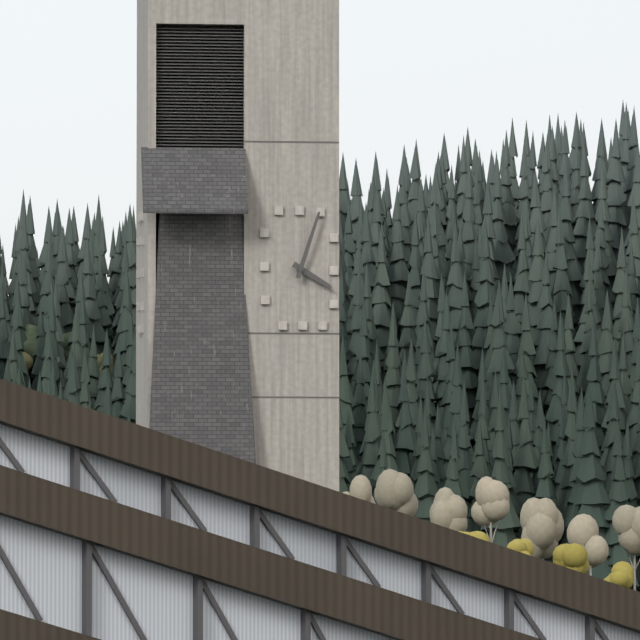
4:03
